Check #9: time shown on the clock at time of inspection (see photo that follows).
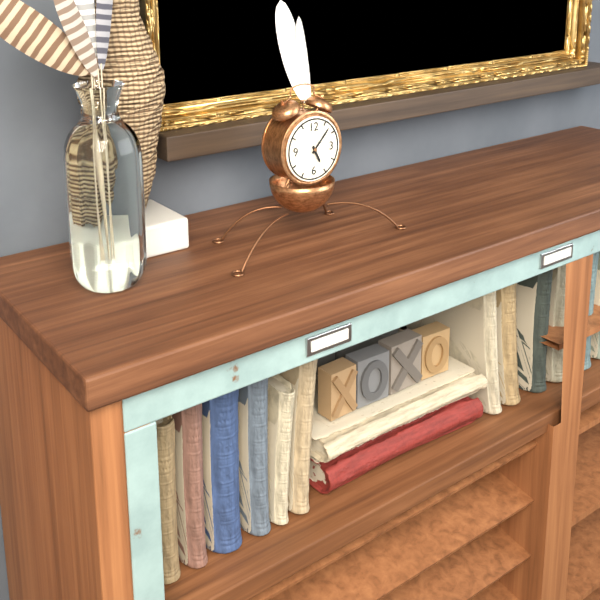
5:07
